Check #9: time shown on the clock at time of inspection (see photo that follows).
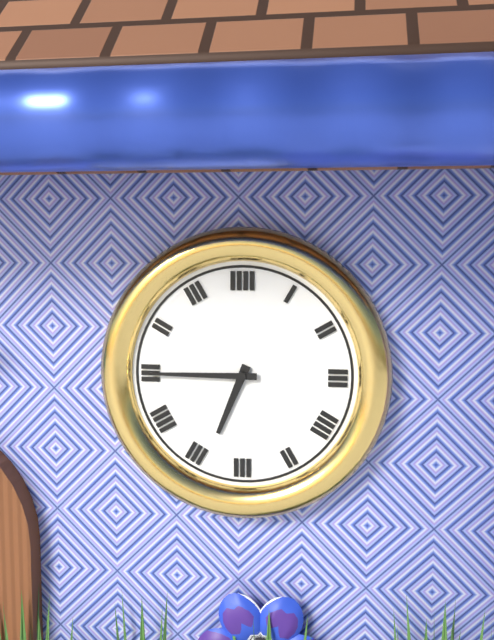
6:45
